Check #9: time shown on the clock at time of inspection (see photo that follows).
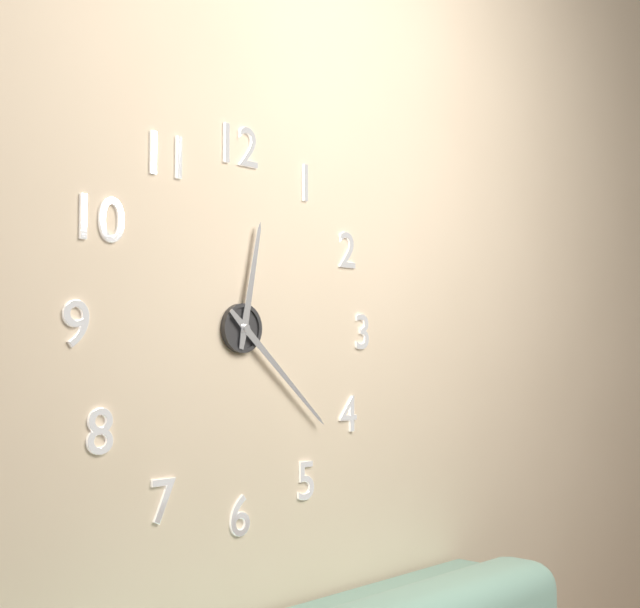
12:22
